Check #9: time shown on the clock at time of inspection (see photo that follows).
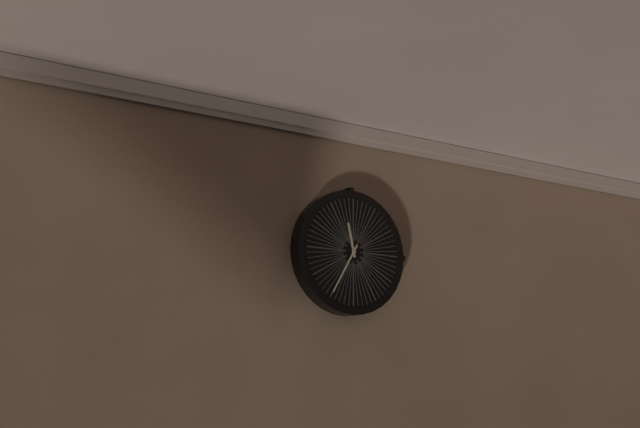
11:35
